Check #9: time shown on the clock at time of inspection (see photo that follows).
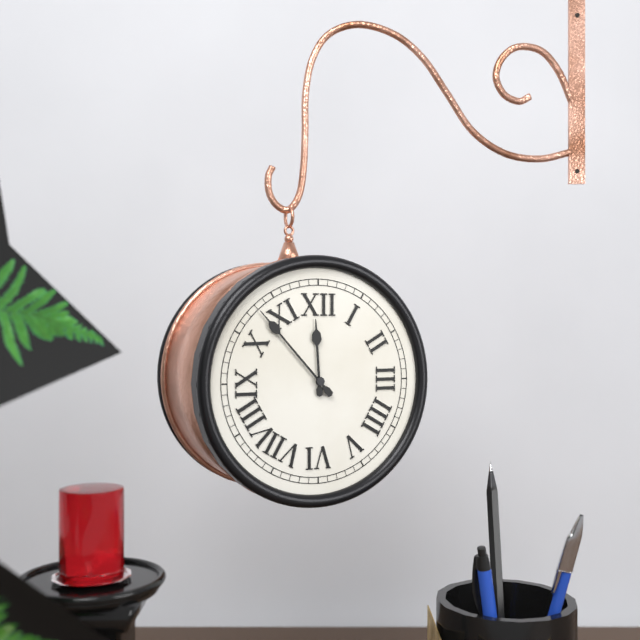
11:53
